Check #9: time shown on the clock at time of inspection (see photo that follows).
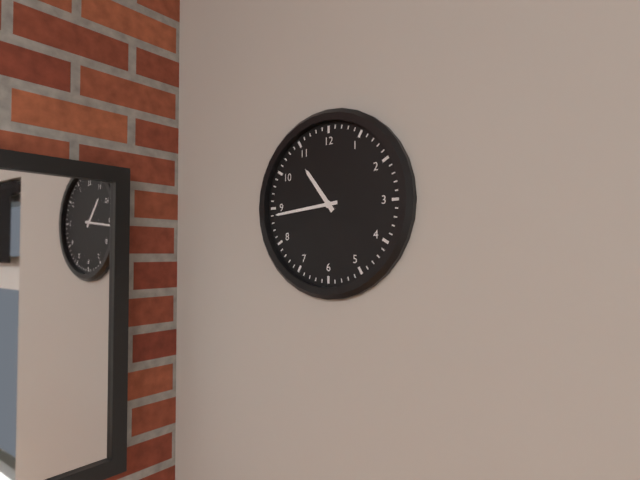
10:44
